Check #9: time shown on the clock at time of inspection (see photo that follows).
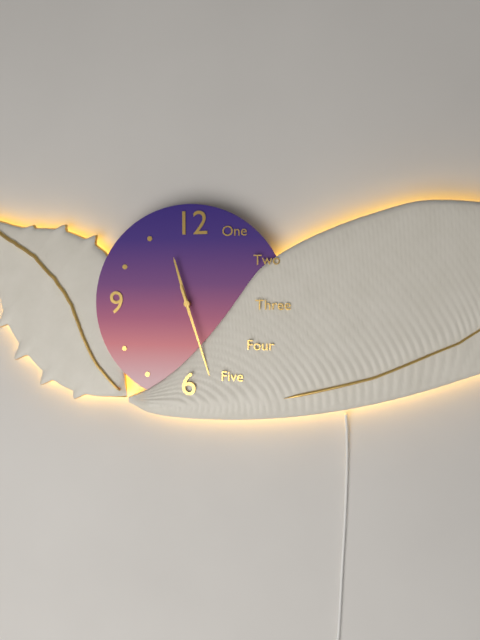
11:27
